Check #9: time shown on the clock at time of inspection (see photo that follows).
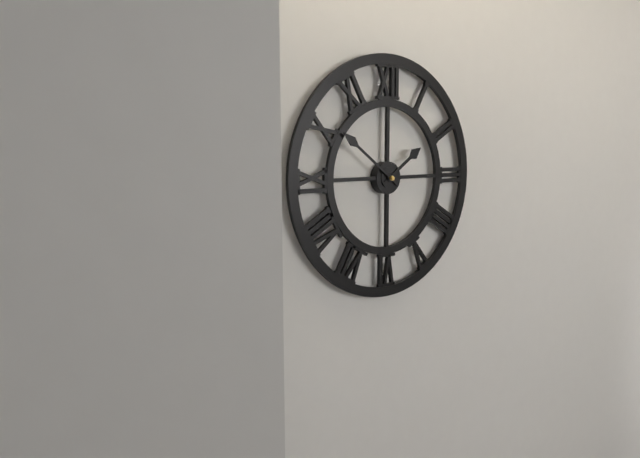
1:51
